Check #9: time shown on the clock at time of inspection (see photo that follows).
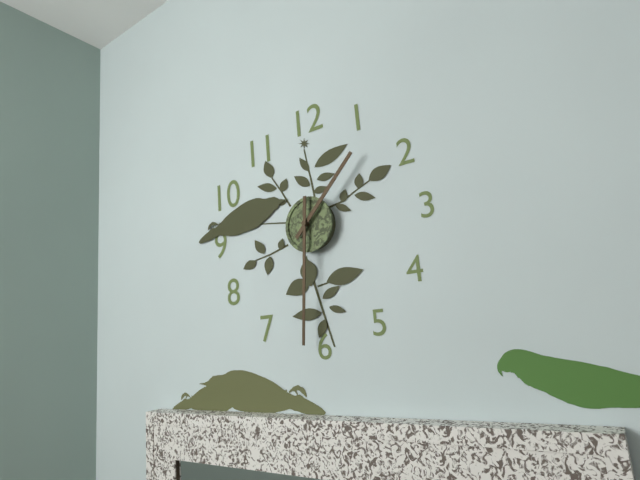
1:31
